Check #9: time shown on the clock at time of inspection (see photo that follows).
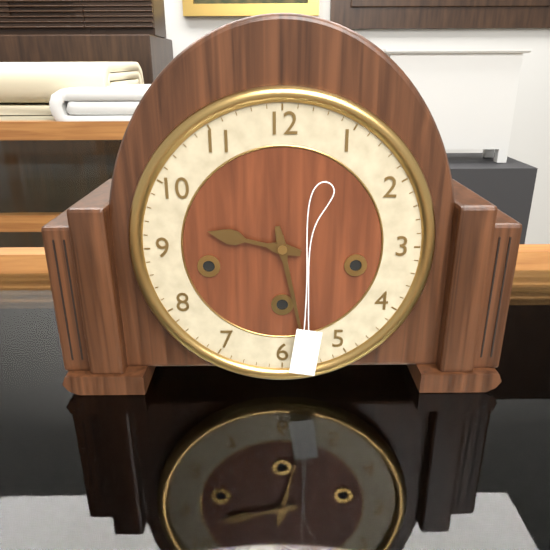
9:28
